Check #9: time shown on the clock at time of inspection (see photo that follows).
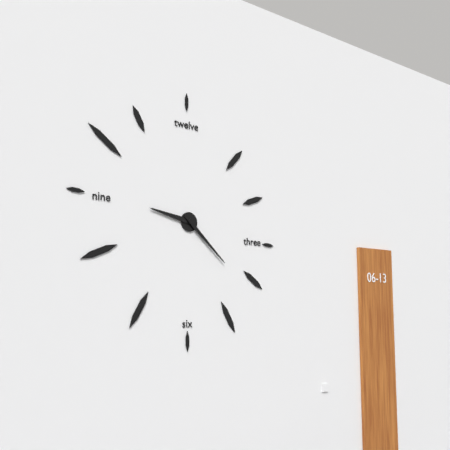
9:22
